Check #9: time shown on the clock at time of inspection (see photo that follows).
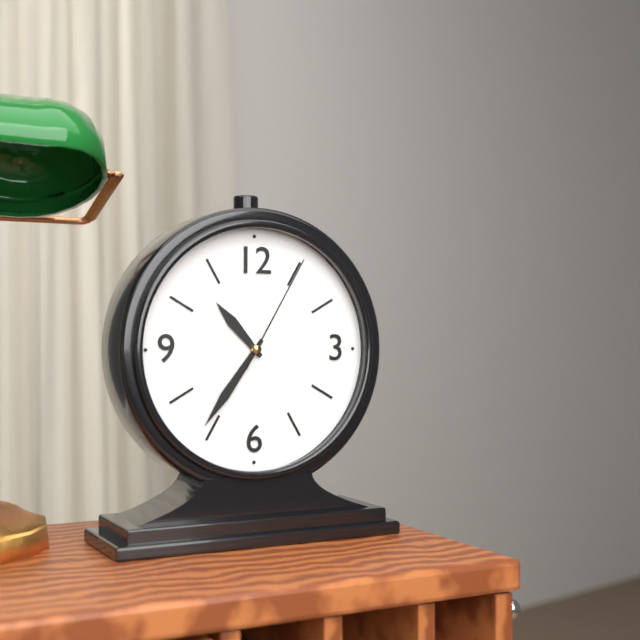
10:36:05
